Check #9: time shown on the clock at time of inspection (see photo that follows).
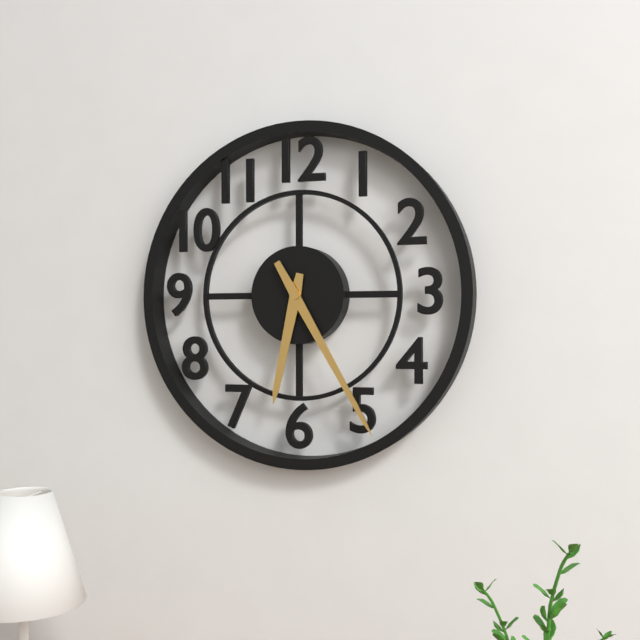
6:25
